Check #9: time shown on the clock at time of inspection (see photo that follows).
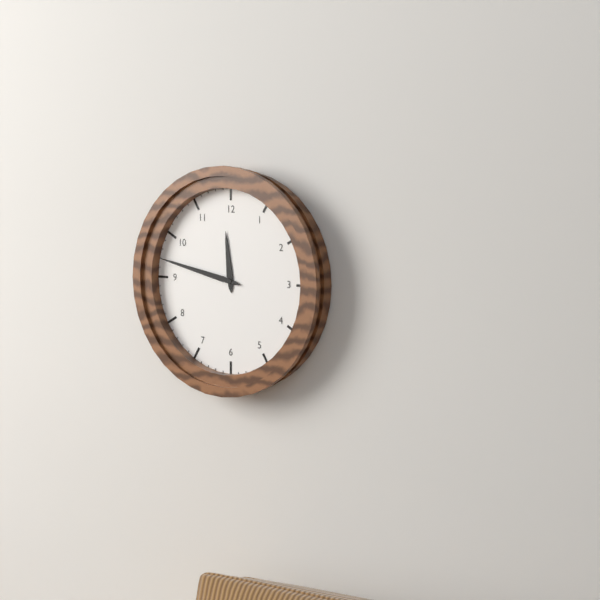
11:47
